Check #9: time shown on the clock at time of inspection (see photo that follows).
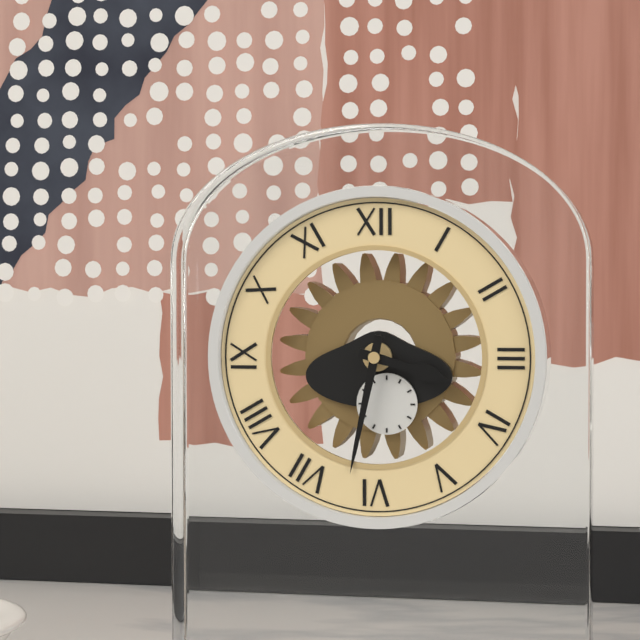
3:32
